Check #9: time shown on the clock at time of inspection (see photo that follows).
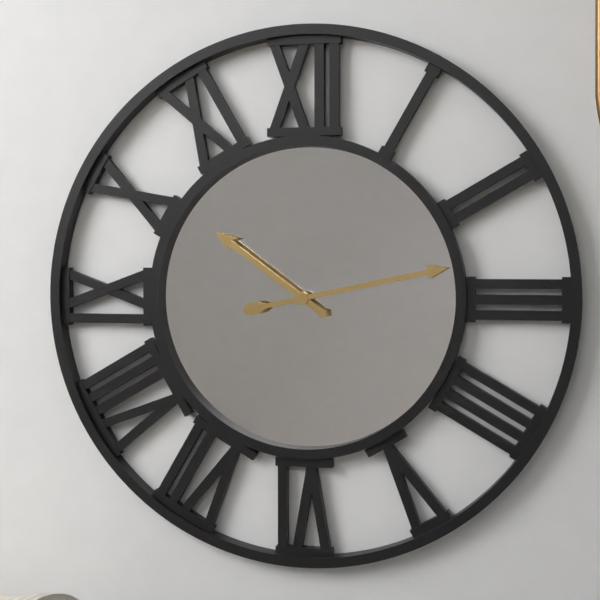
10:13
